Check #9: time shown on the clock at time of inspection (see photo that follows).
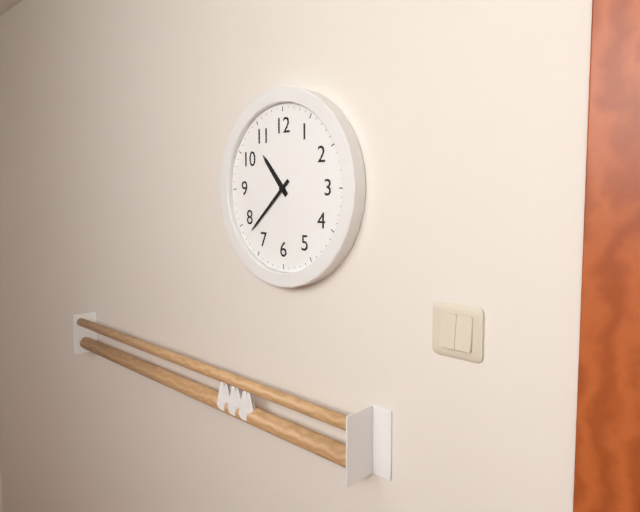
10:38
